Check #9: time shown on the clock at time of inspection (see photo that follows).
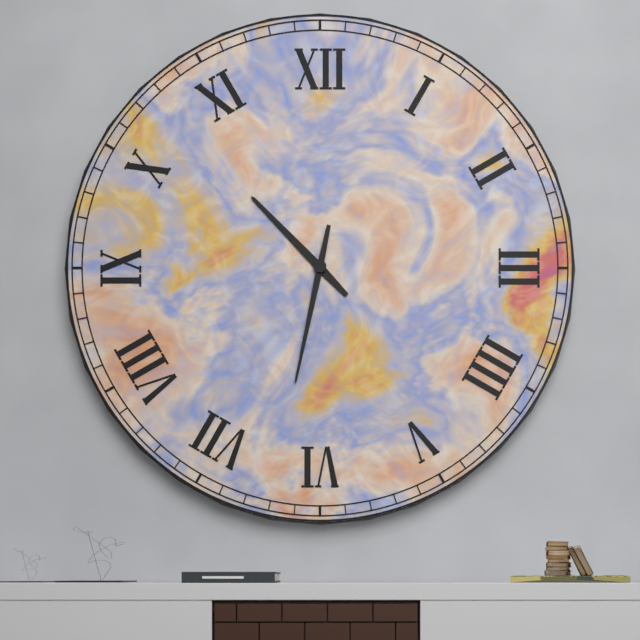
10:32
